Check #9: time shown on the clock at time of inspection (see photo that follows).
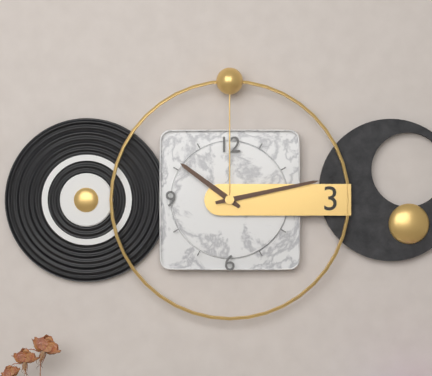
10:13
